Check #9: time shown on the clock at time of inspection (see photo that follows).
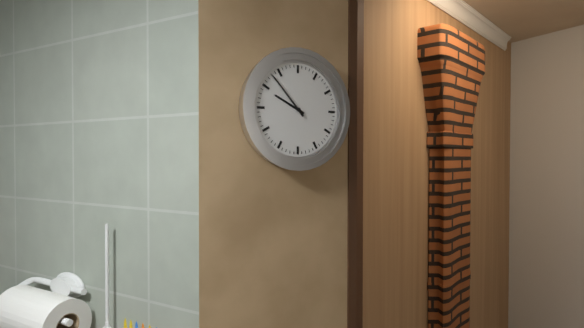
9:53
